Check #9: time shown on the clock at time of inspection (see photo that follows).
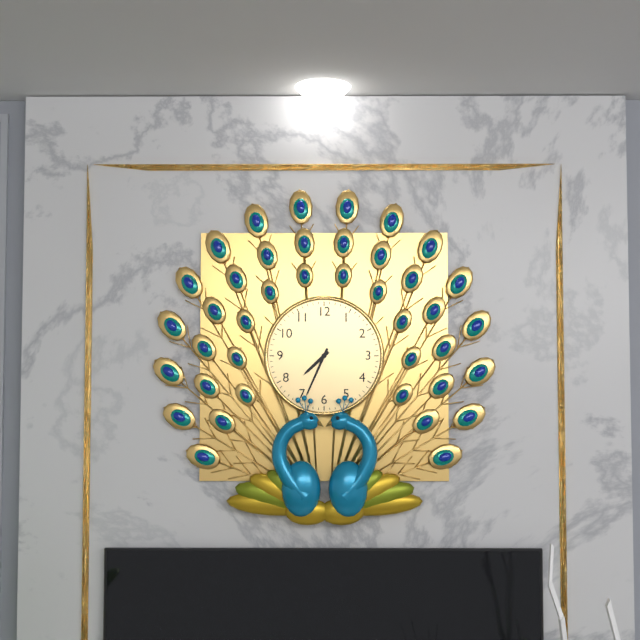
7:34
